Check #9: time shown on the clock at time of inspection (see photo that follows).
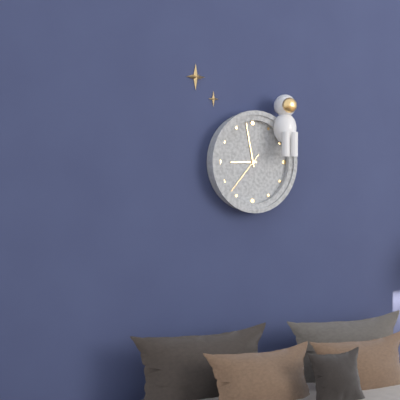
8:58
